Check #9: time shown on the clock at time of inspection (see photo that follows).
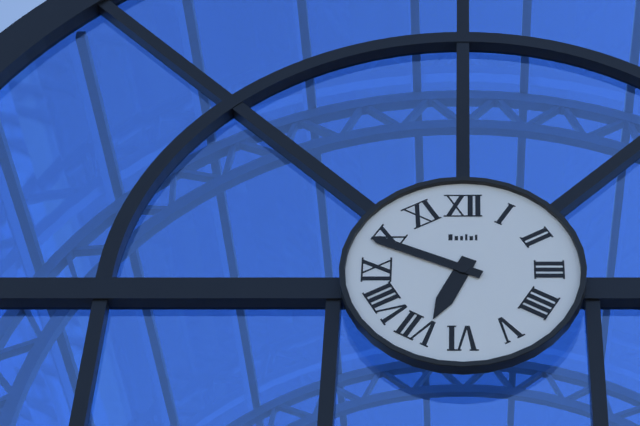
6:49
